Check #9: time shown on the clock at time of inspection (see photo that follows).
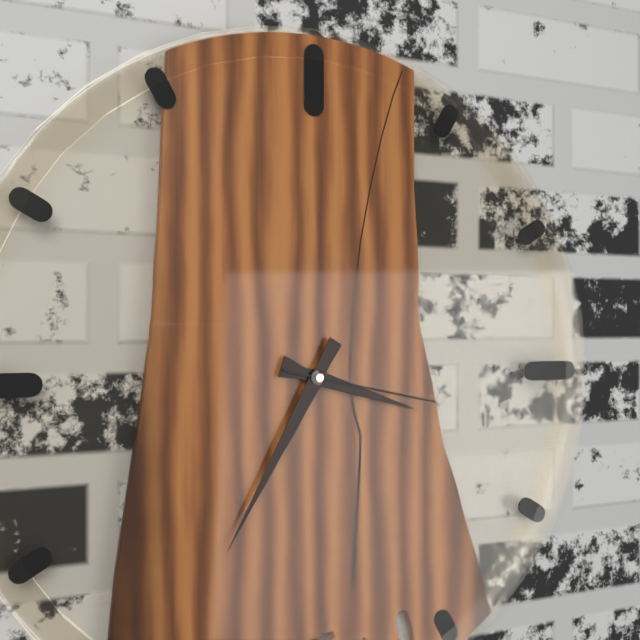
3:35:17
